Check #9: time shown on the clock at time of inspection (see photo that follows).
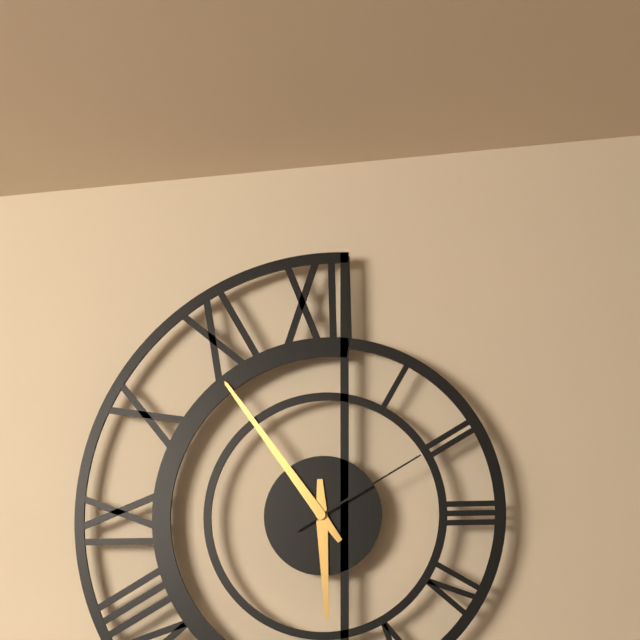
5:54:10
